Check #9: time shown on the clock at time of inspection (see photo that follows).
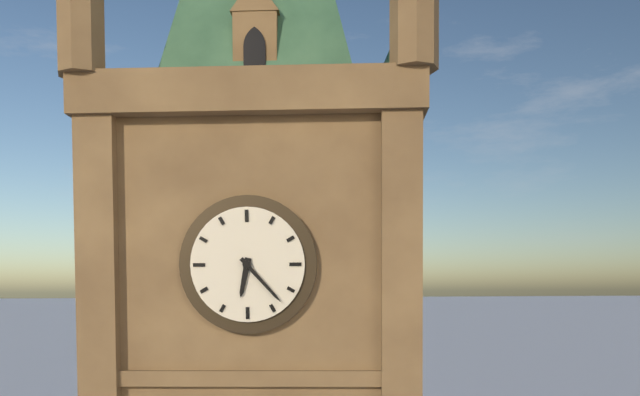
6:23
